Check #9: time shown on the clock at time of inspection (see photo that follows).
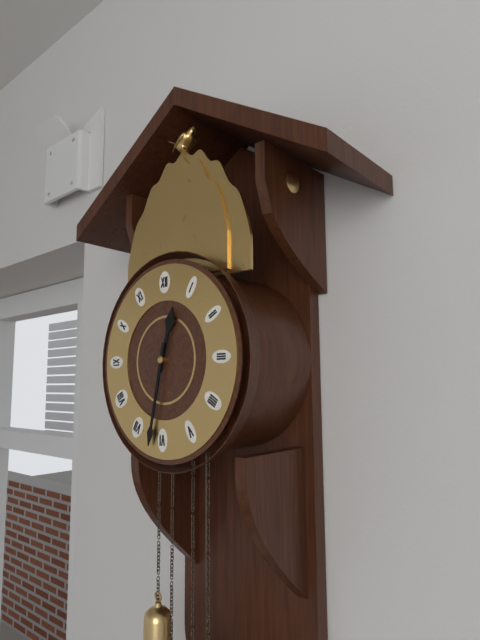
12:32
